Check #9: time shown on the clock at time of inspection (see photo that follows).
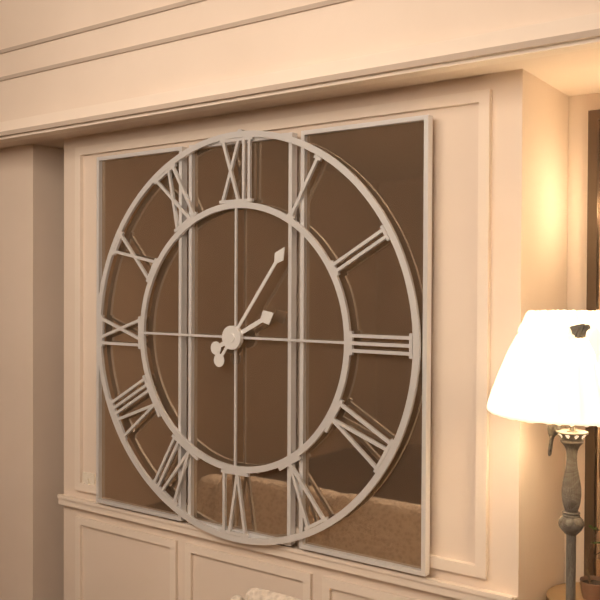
2:06
